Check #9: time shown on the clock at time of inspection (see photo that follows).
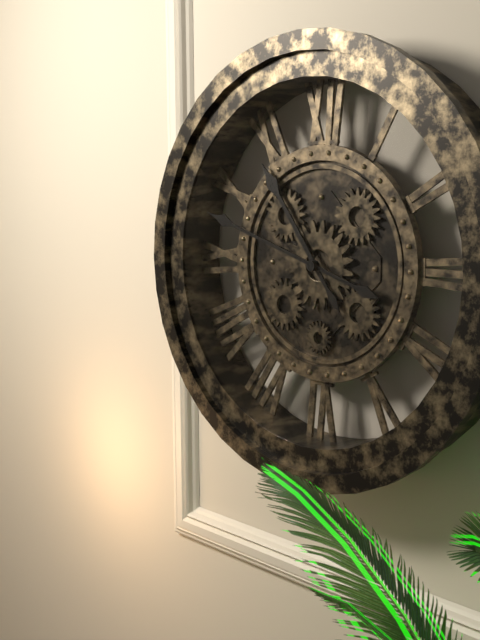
10:48
